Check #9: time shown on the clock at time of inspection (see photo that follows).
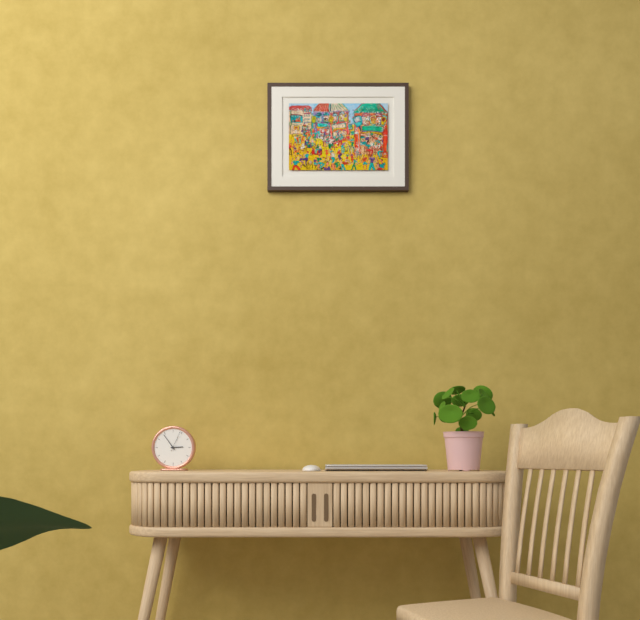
2:54
